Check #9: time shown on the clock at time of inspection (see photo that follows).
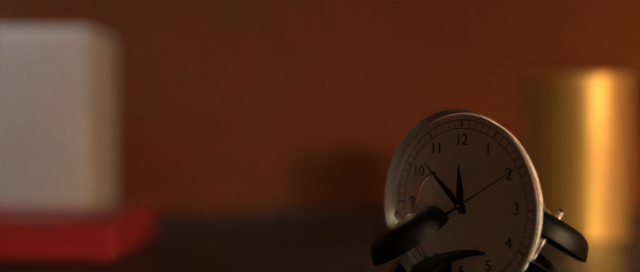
11:52:10
